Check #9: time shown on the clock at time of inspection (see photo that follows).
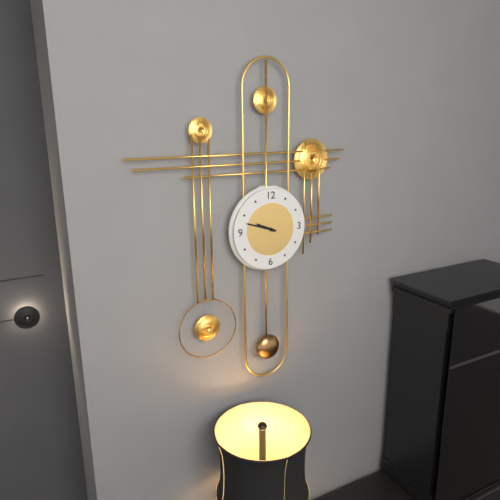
9:48
